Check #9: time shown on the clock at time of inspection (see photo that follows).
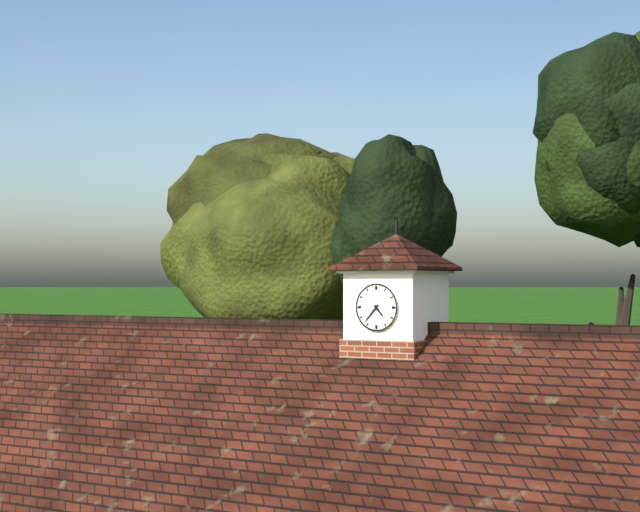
4:37
